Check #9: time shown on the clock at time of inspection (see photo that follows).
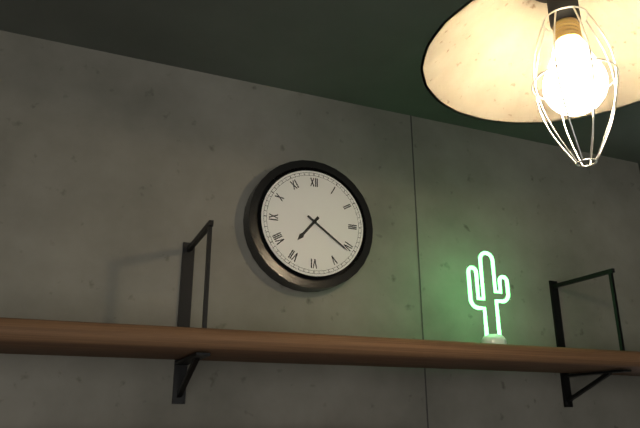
7:21
